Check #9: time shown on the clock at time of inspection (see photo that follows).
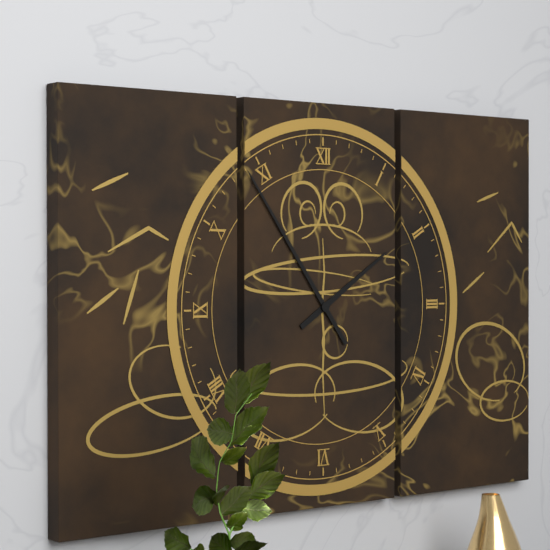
1:54
